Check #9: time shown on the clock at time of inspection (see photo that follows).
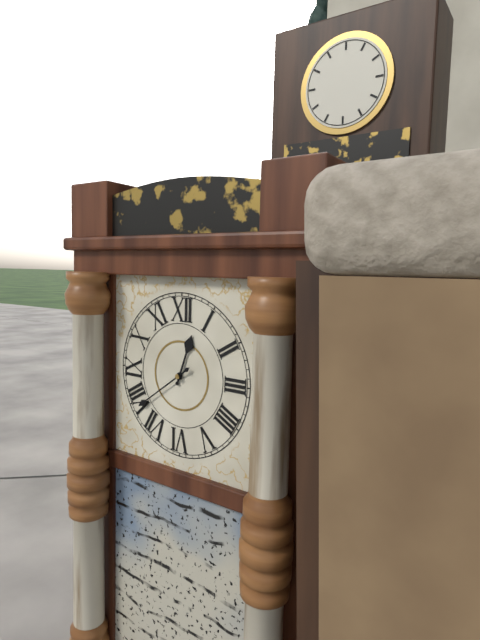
12:39
